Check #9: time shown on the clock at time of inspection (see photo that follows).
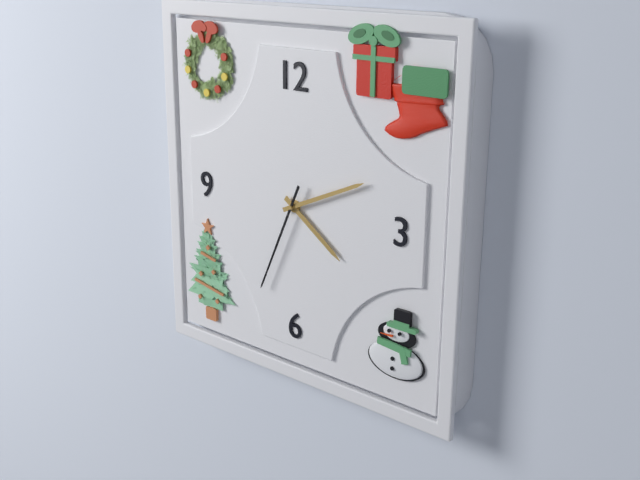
4:11:34
